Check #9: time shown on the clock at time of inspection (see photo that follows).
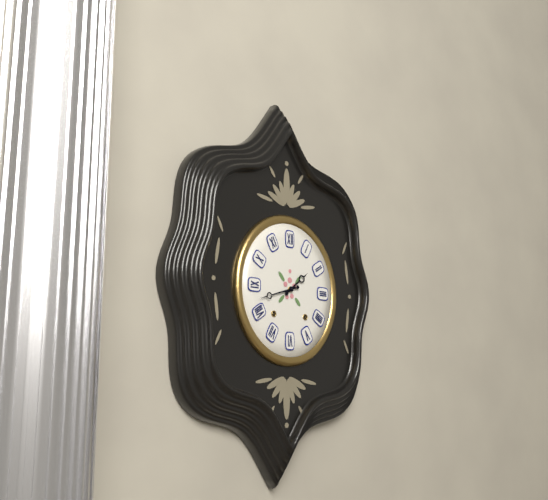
1:42
